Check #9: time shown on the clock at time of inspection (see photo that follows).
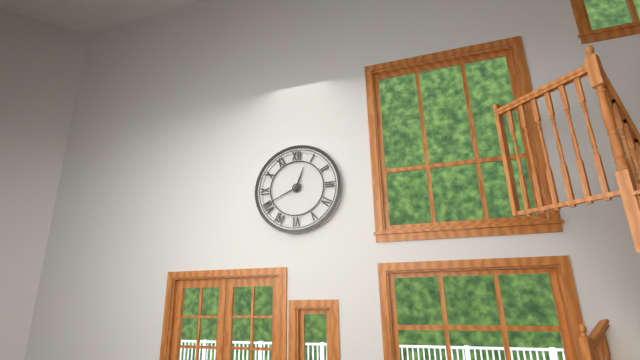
12:41
